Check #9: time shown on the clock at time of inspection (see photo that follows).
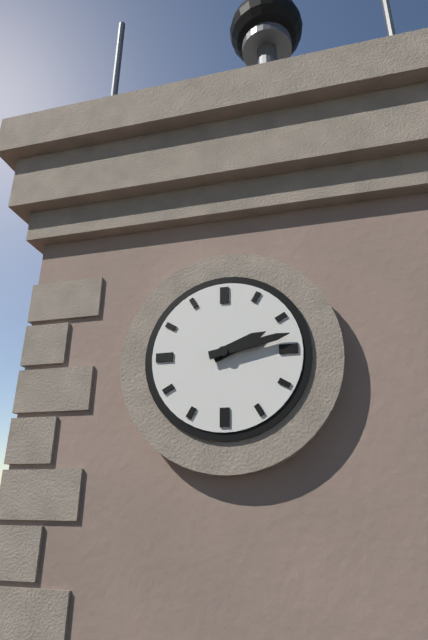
2:13
